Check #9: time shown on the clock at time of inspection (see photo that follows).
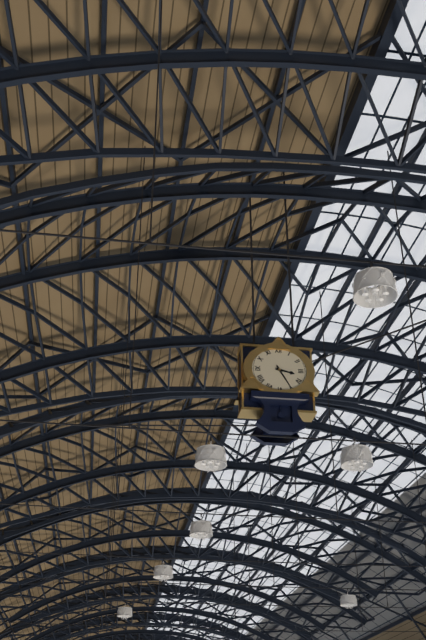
3:25
